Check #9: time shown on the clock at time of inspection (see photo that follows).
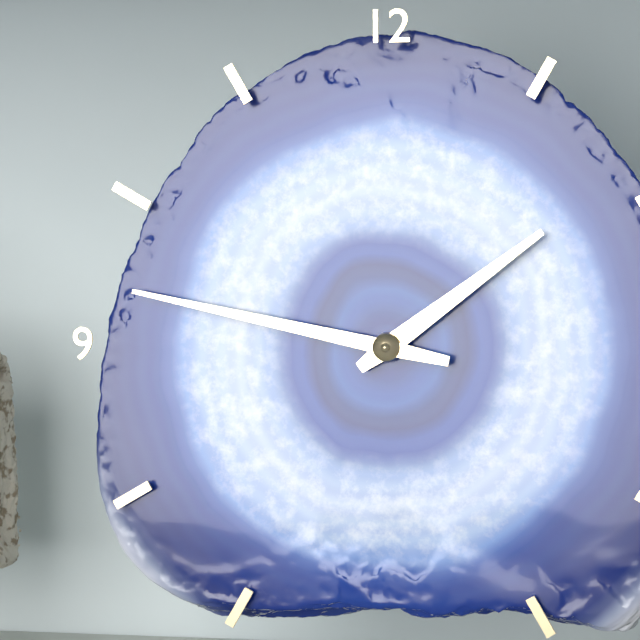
1:47
